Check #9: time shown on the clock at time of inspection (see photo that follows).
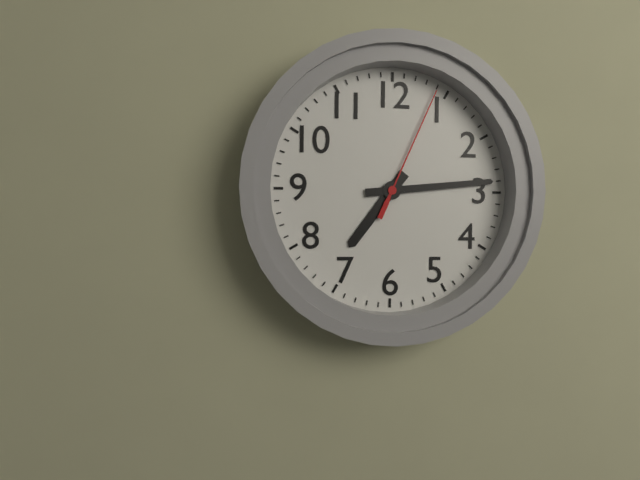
7:14:04
